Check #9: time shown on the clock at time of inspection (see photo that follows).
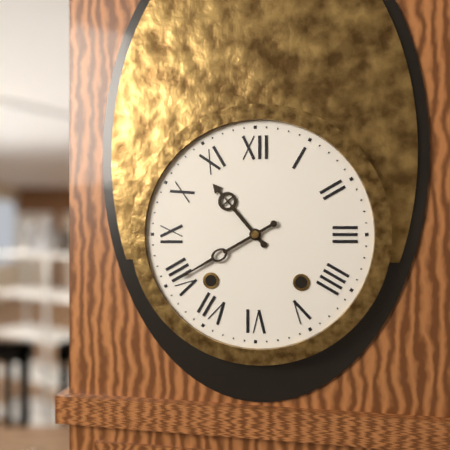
10:40
